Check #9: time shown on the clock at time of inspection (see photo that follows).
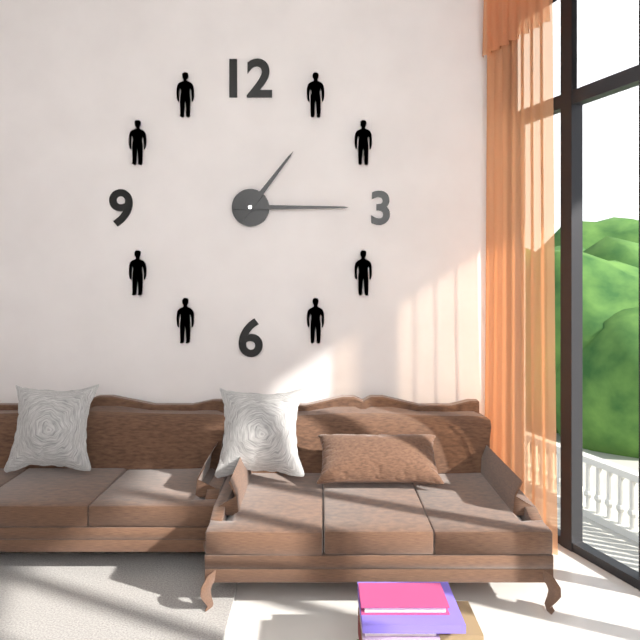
1:15
